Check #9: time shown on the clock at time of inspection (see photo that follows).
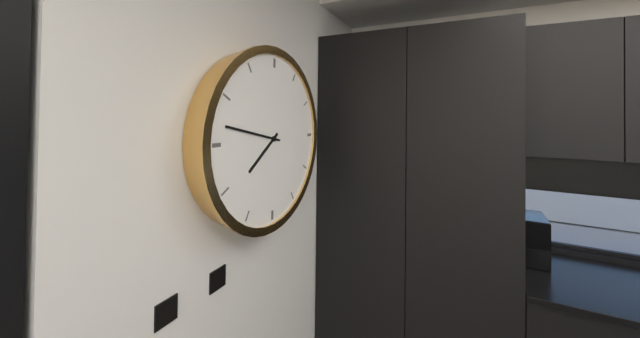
7:47
